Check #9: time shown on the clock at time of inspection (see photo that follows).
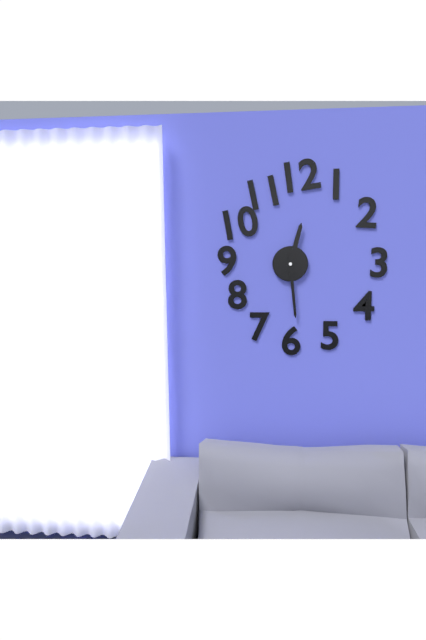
12:29
